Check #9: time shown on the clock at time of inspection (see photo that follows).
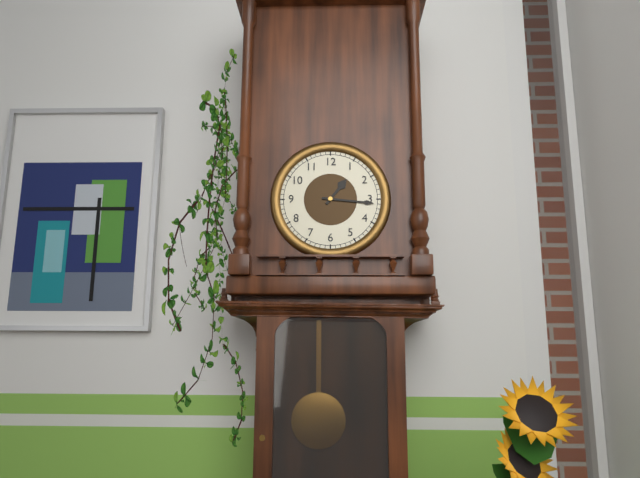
1:16
